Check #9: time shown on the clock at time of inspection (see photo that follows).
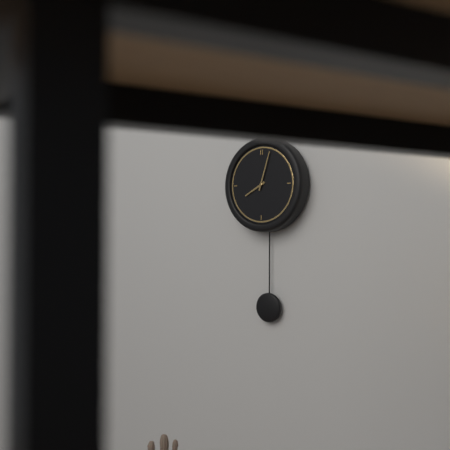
8:03
